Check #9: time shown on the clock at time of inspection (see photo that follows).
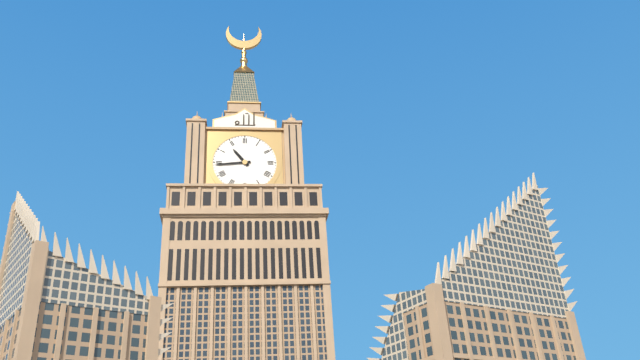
10:44
